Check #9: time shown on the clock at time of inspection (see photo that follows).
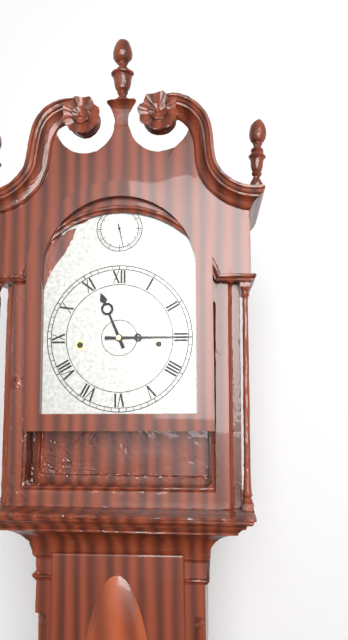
11:15
